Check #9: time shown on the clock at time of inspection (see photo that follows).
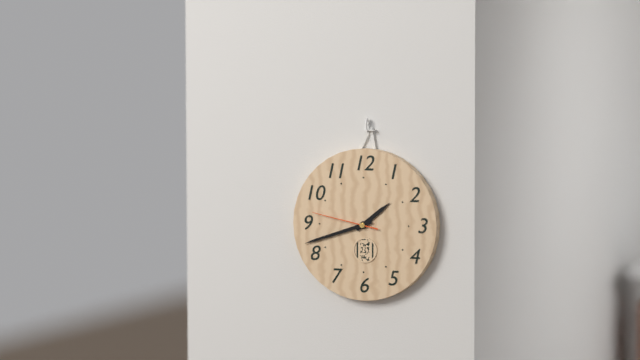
1:42:47
